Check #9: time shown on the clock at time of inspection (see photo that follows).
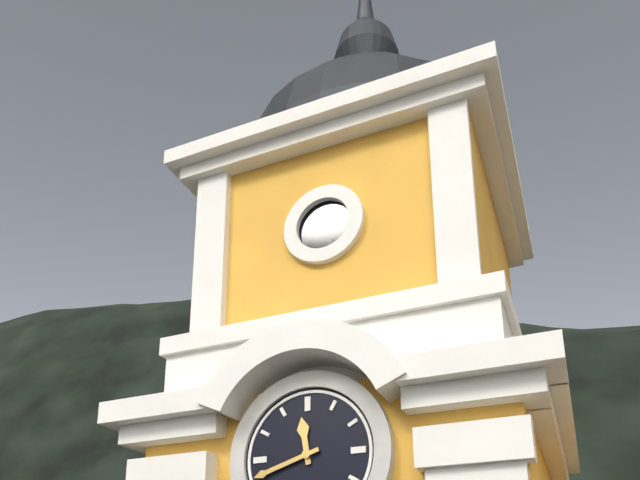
11:42
